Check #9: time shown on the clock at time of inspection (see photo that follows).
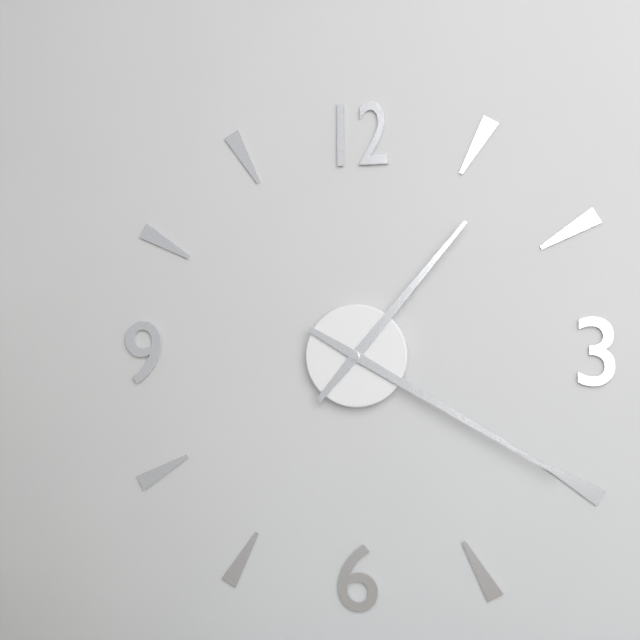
1:20
